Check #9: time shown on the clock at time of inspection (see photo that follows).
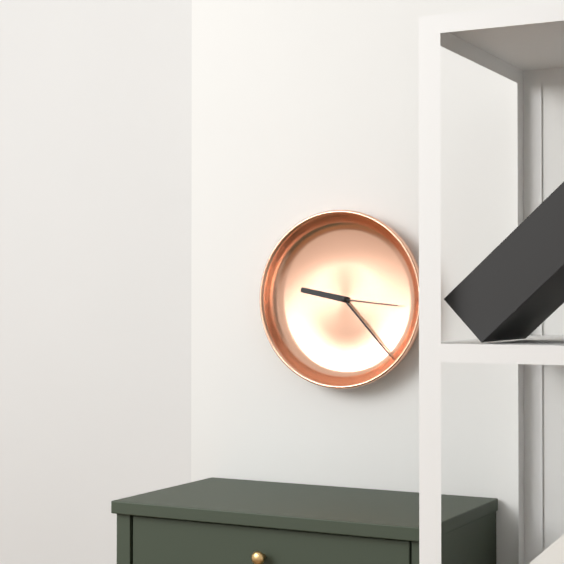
9:23:16
